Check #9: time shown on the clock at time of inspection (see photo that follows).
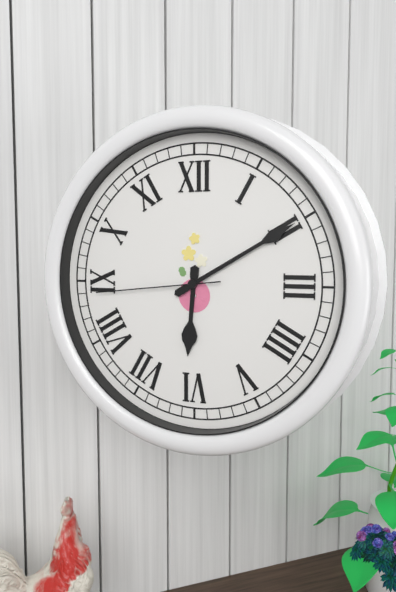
6:10:44
